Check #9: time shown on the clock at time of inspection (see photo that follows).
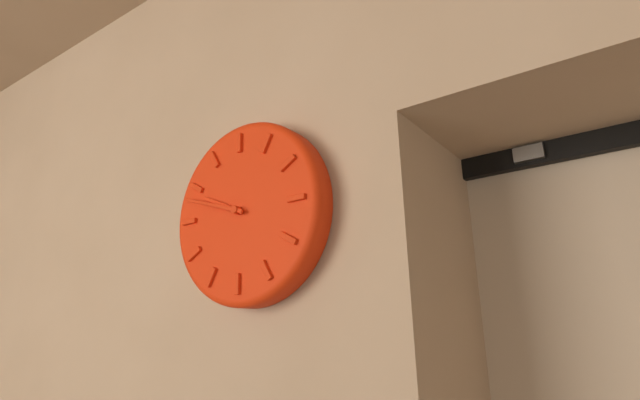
9:48
